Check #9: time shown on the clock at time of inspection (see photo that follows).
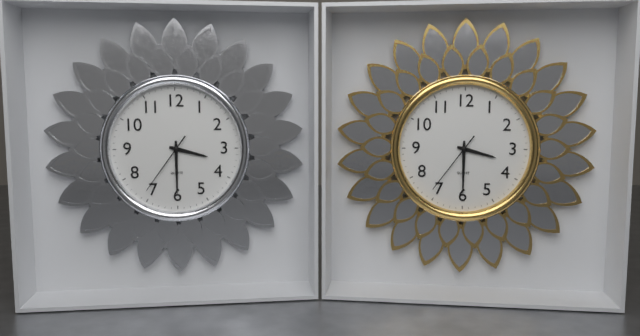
3:30:36
